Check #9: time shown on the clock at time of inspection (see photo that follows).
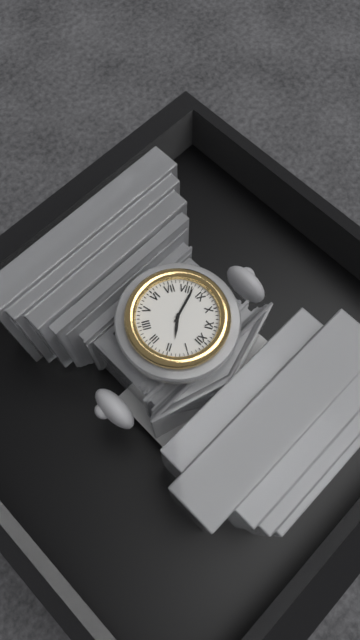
1:42
